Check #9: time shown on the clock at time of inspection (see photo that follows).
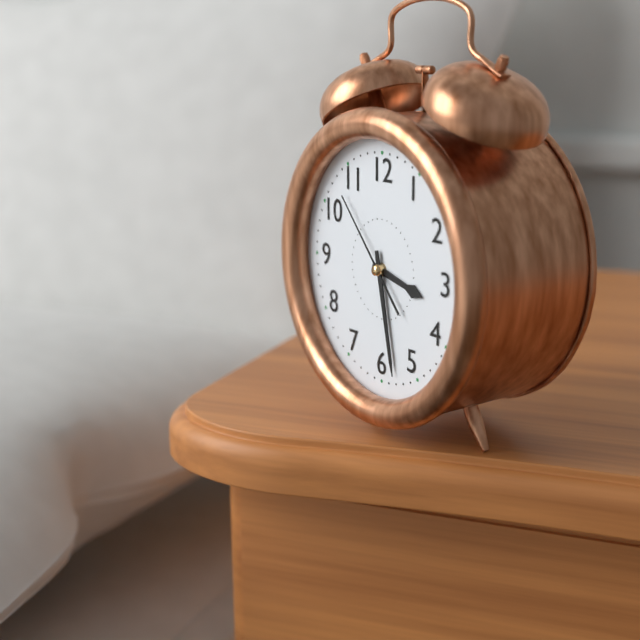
3:28:53
